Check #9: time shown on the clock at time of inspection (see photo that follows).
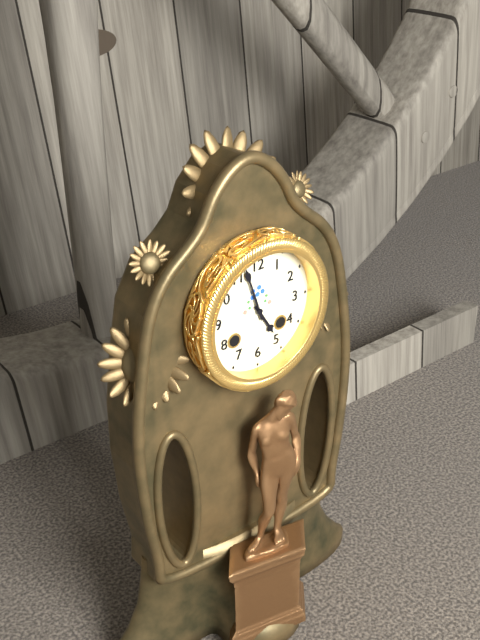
4:57
